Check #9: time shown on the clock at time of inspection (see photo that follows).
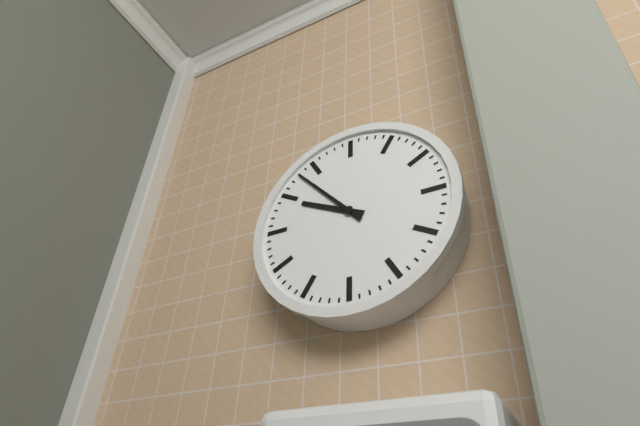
9:53
